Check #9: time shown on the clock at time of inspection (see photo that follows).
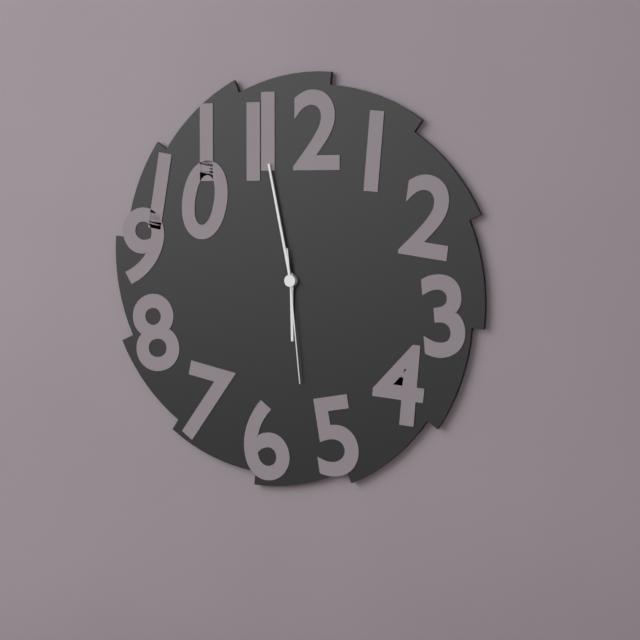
5:58:29
